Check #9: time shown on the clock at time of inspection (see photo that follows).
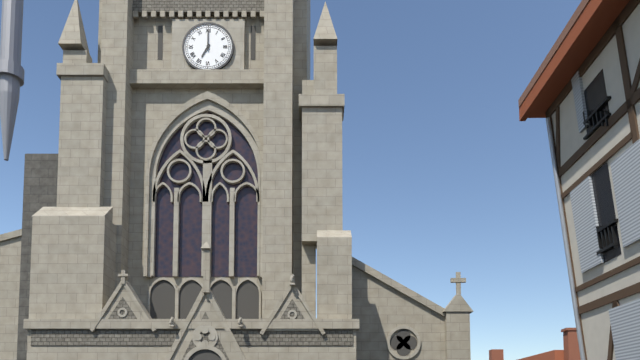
7:00
